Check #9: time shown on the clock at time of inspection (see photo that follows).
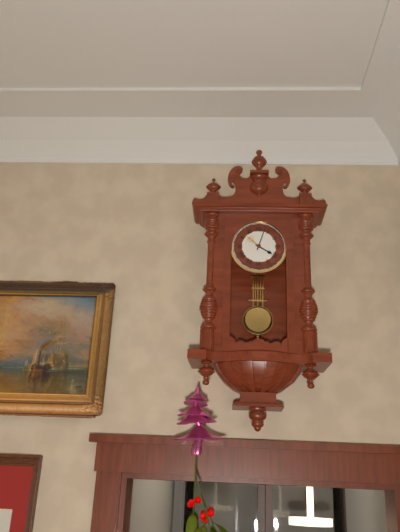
4:03
